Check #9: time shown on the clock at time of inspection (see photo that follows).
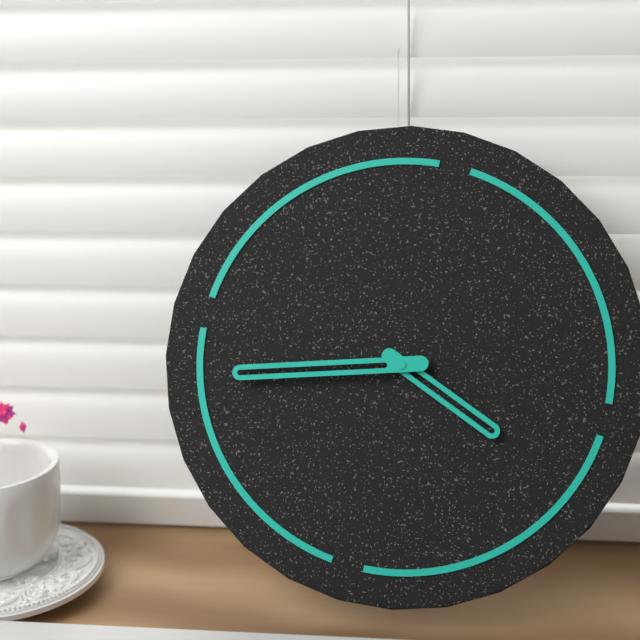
3:42
